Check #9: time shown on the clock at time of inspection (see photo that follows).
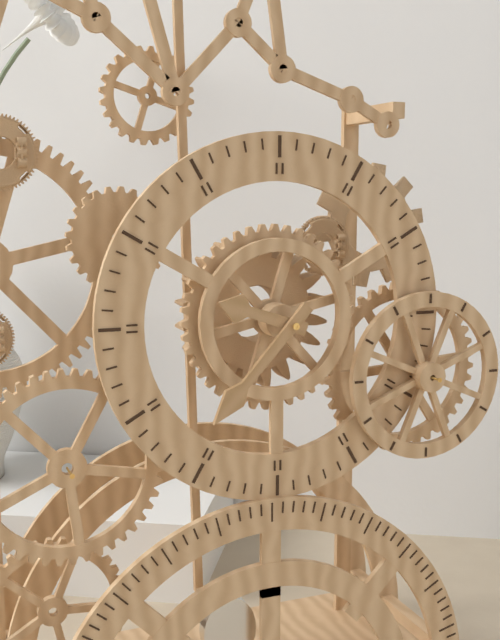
9:37
